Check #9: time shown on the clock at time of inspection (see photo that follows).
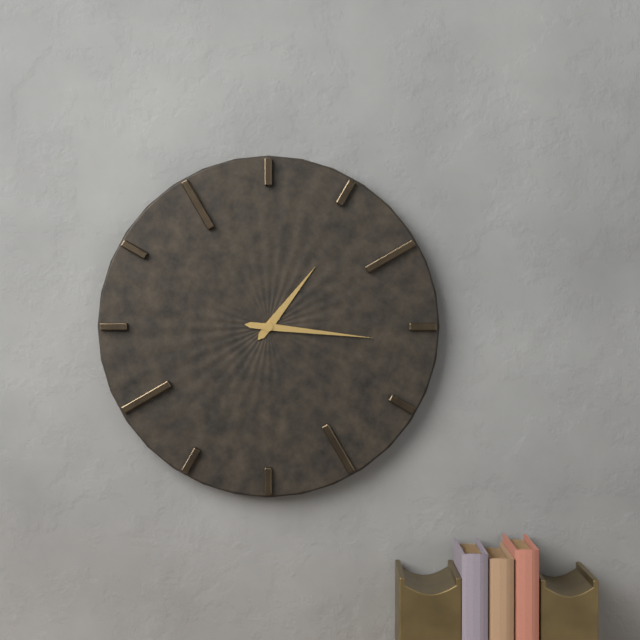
1:16
